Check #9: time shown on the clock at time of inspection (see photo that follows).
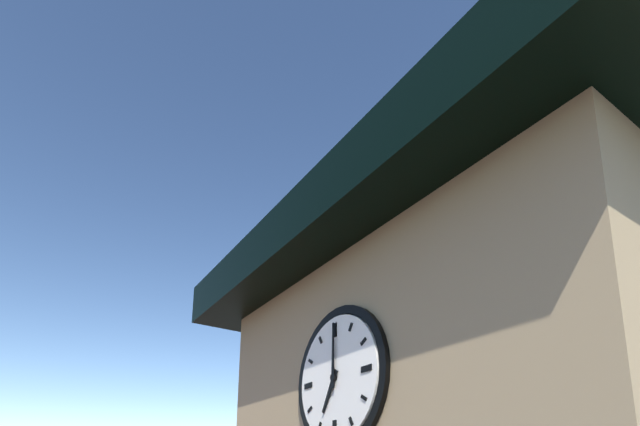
7:00
